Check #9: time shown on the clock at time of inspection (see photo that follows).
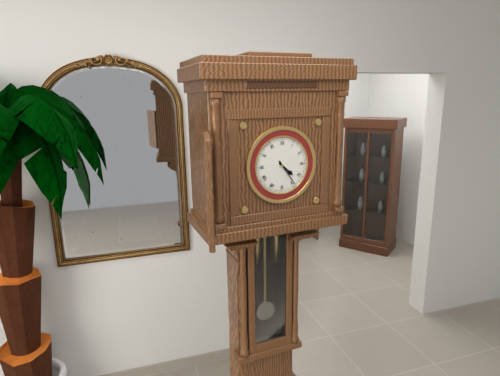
4:24
